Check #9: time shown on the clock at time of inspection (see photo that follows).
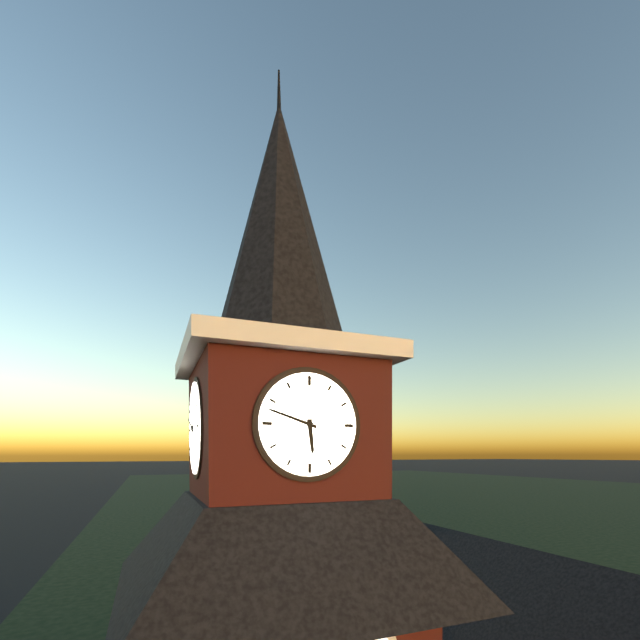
5:48
